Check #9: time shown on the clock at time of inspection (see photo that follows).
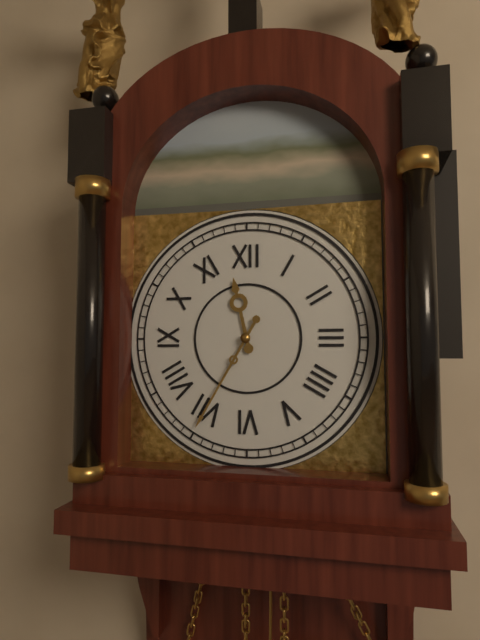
11:35
